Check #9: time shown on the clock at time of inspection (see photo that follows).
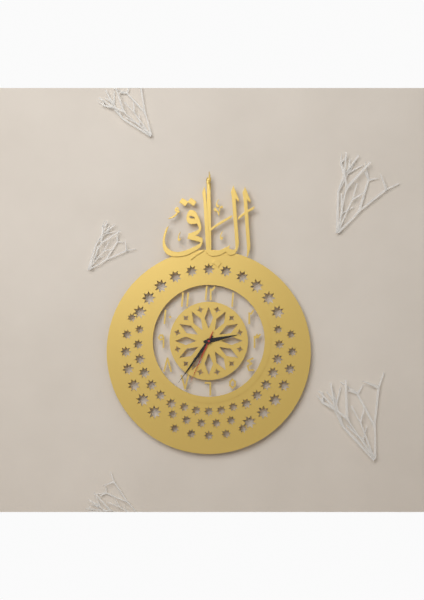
2:36:34
